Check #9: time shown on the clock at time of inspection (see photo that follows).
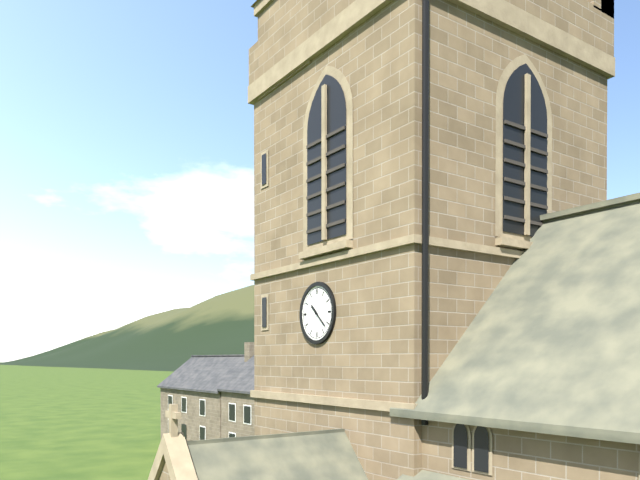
10:22
